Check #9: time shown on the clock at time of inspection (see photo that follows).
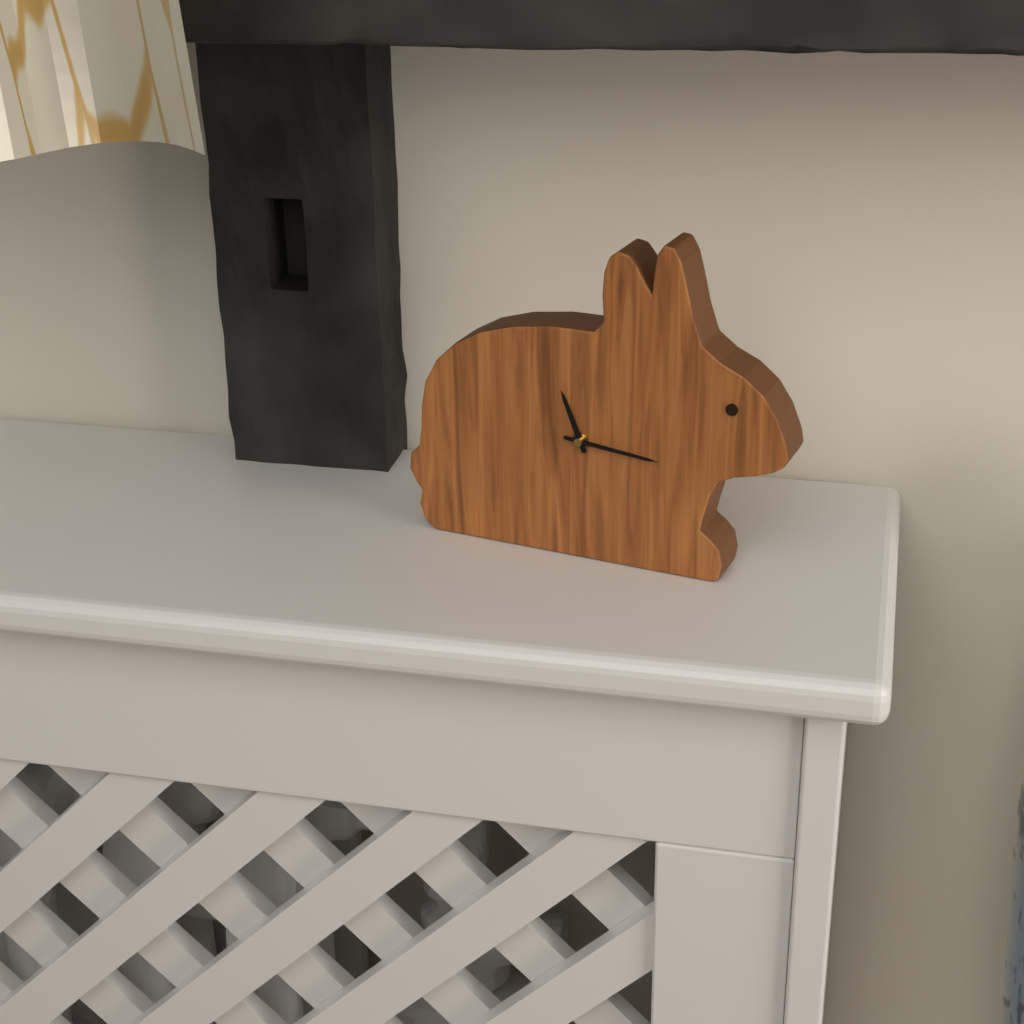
11:16
